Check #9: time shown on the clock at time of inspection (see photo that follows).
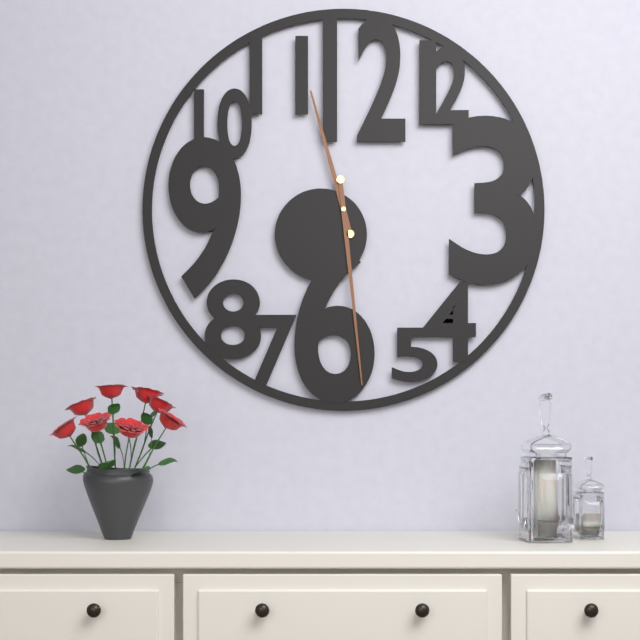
11:29
